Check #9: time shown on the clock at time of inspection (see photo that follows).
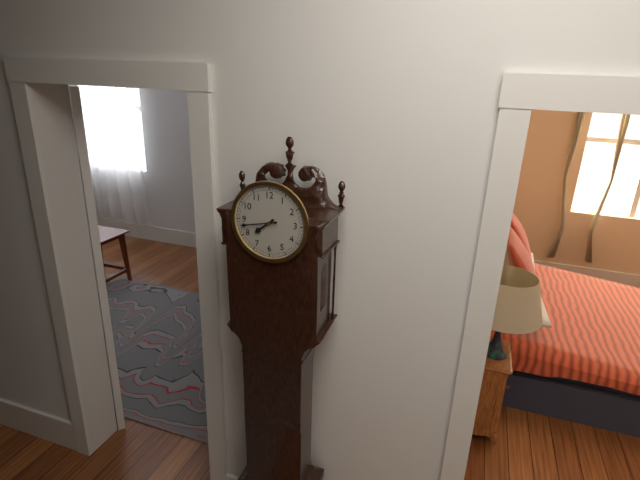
7:43
